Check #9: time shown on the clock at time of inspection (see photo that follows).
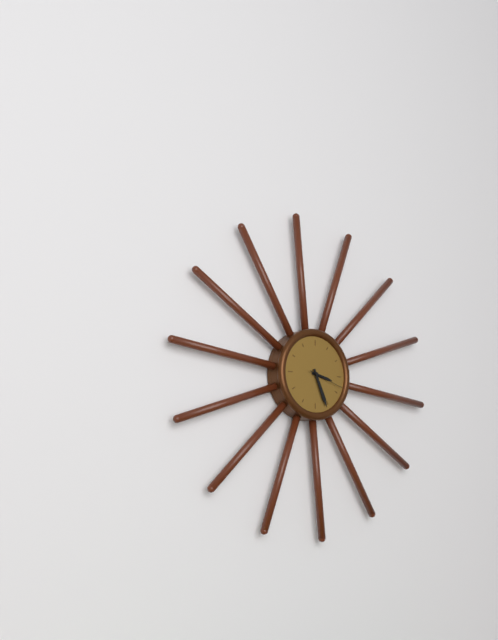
3:26
